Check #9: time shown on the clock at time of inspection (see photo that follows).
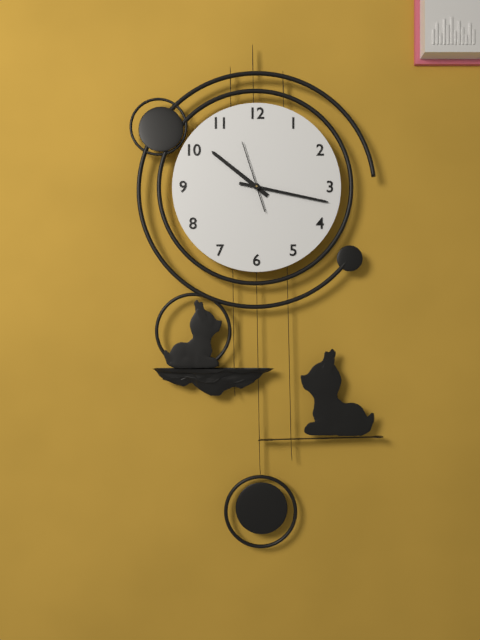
10:17:57
